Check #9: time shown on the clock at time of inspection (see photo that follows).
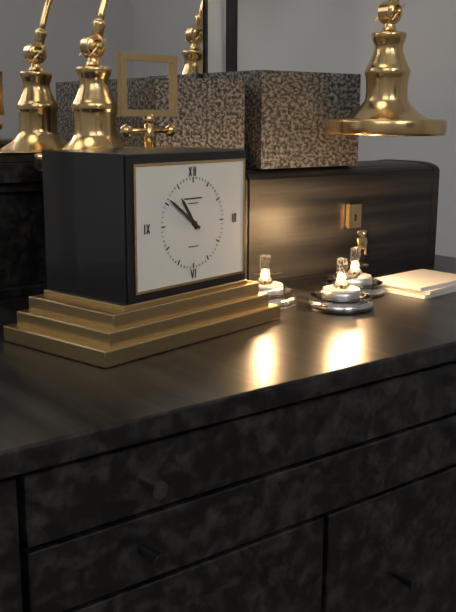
10:51
